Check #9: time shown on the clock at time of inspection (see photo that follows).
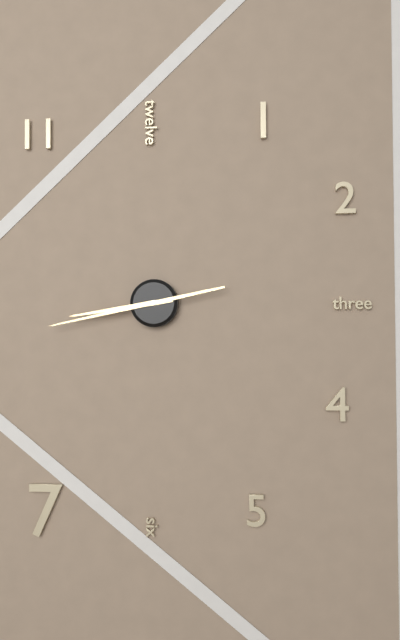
8:43
